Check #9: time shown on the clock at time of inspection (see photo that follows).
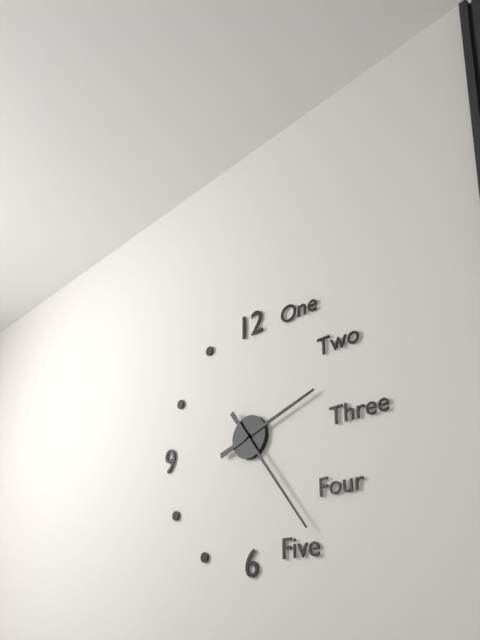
2:24
